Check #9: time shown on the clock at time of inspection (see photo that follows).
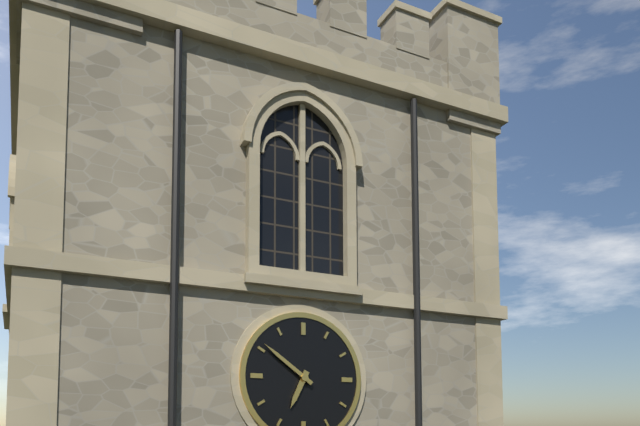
6:51
